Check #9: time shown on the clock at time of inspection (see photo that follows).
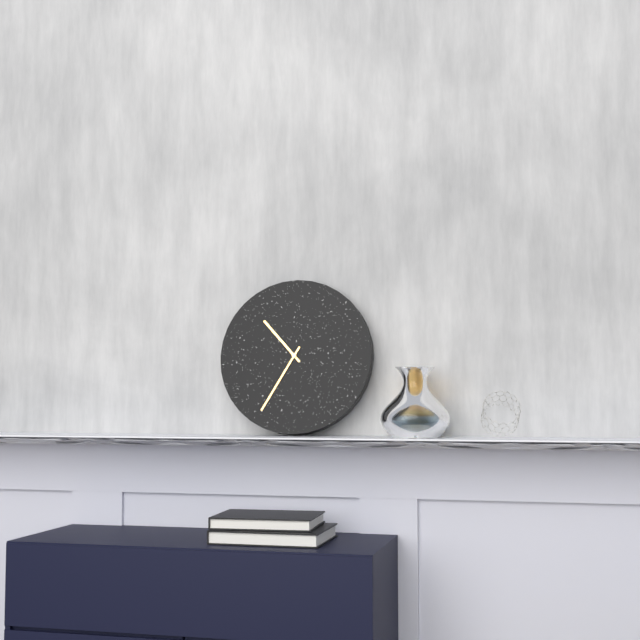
10:35
